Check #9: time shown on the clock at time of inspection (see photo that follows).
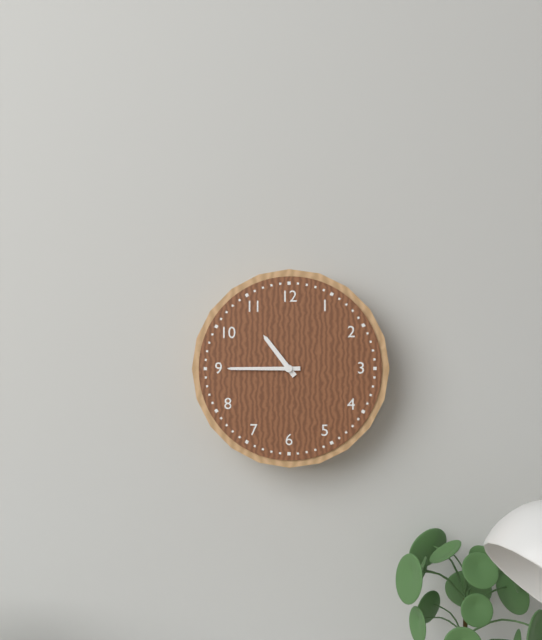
10:45
